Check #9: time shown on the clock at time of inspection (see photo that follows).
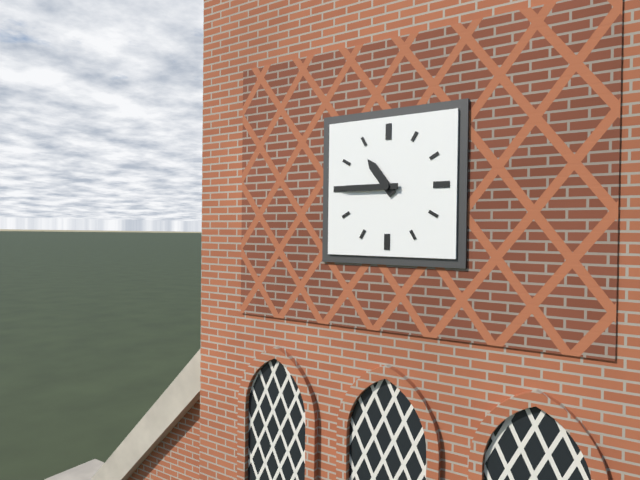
10:45
